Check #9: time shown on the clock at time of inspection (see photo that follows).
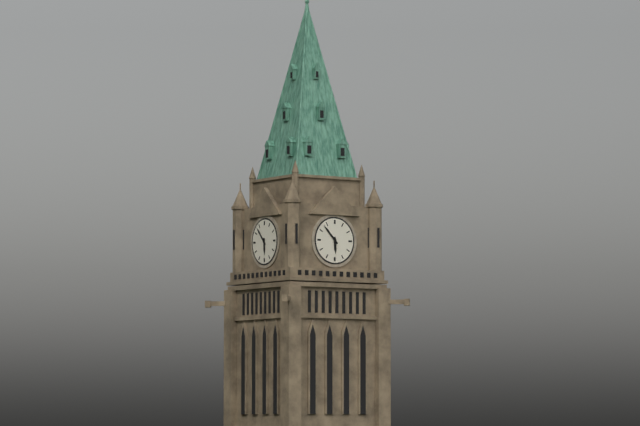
5:53
